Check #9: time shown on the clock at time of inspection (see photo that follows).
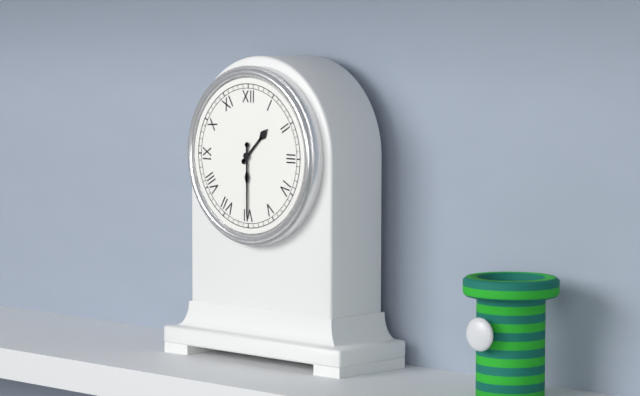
1:30
